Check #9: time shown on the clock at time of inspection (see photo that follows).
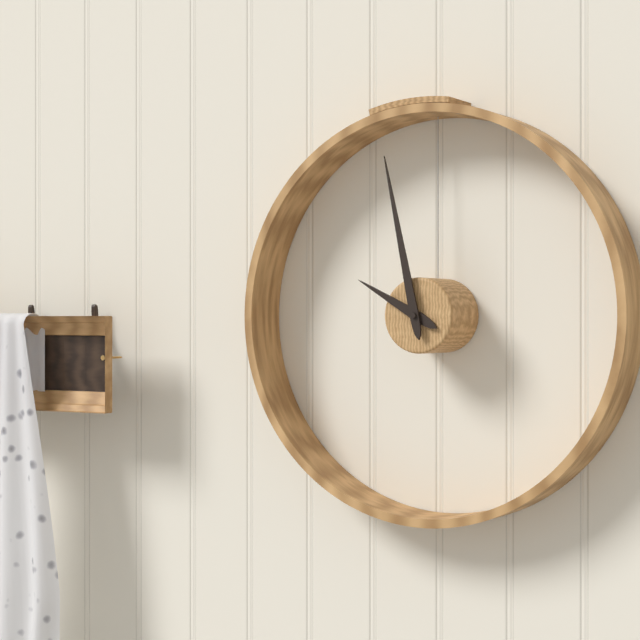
9:58
